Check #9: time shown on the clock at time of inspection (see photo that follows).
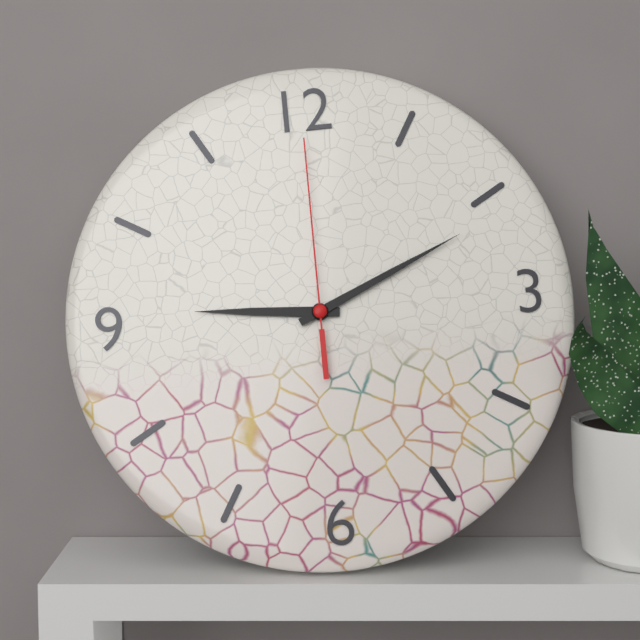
9:11:00
